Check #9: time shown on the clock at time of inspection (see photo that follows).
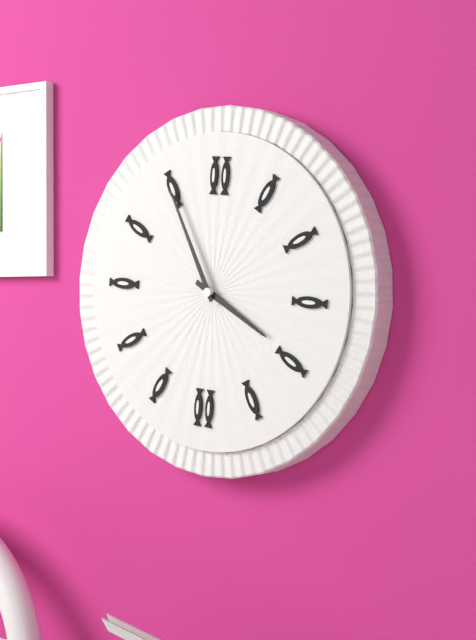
3:55
